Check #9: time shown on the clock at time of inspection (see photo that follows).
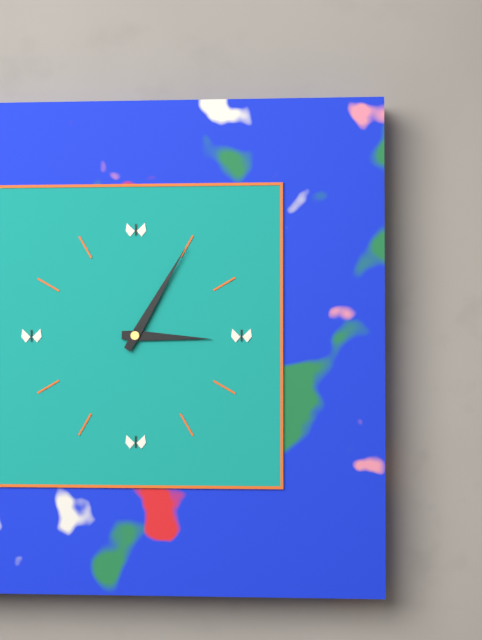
3:05
